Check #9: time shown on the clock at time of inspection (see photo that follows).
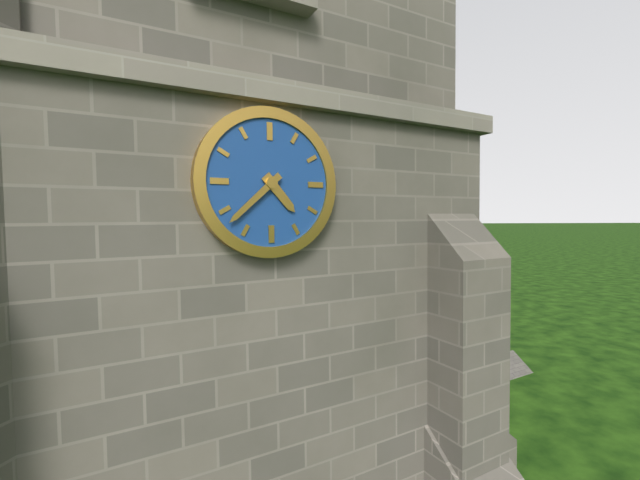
4:38
